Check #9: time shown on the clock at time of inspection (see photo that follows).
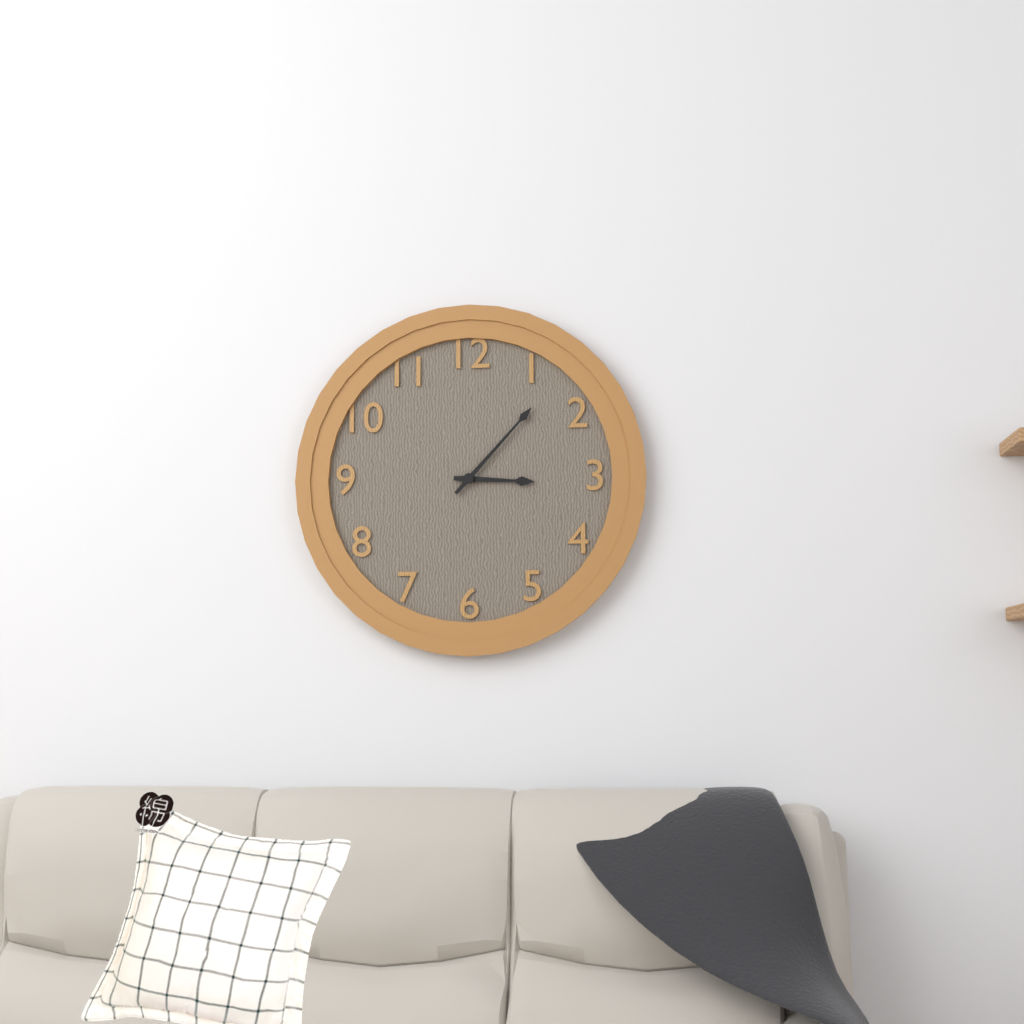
3:07
